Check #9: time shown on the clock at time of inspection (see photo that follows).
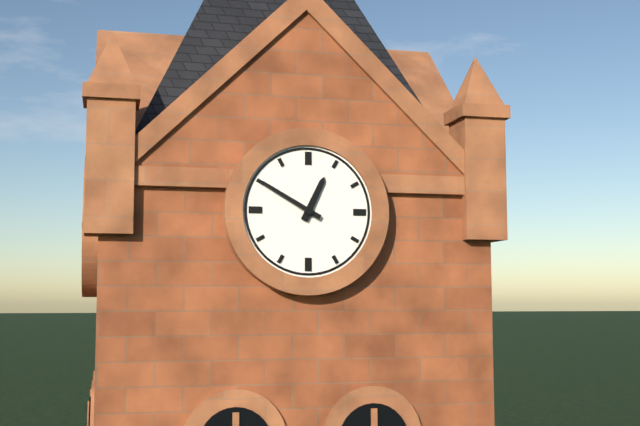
12:50
